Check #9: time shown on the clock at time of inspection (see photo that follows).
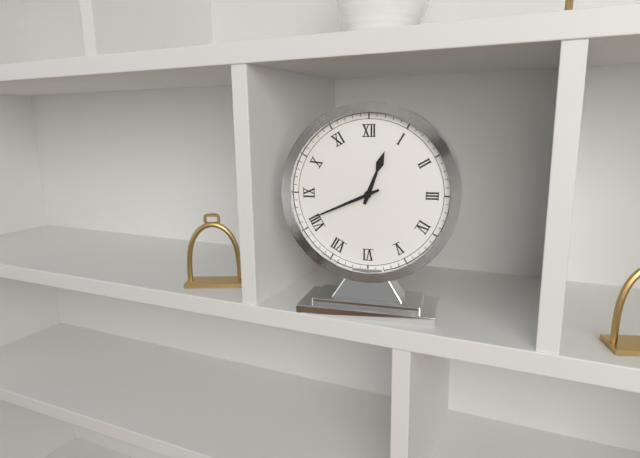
12:41
